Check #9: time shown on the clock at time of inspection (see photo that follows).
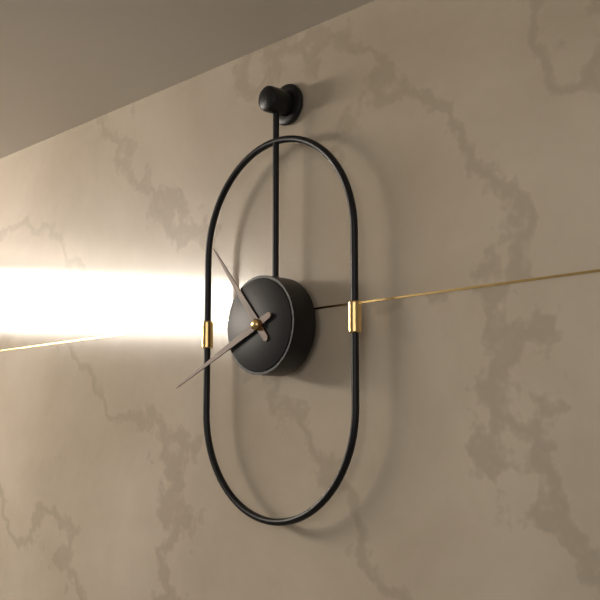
10:41
